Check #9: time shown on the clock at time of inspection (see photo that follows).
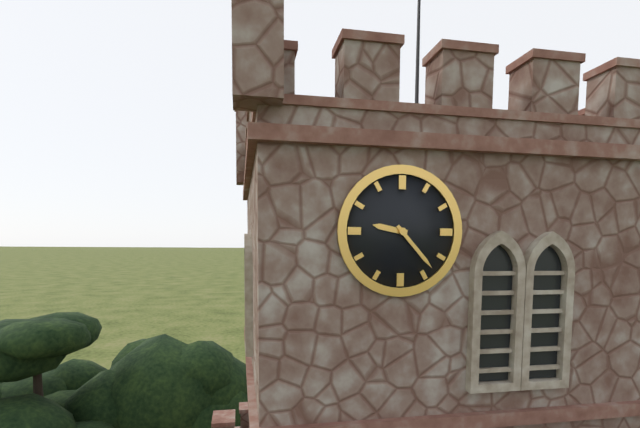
9:23
